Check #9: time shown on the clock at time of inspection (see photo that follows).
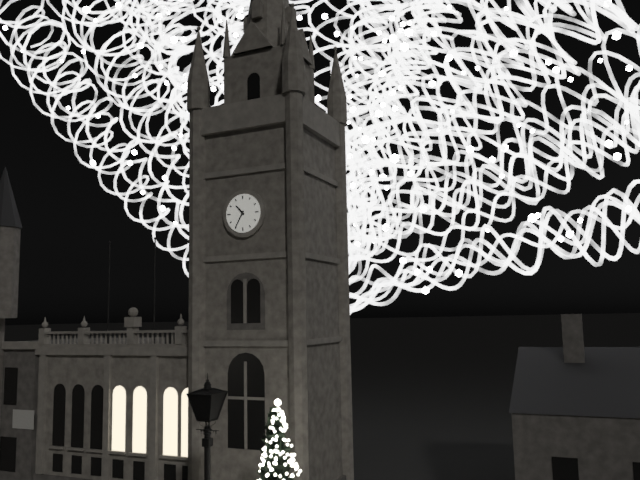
10:35
